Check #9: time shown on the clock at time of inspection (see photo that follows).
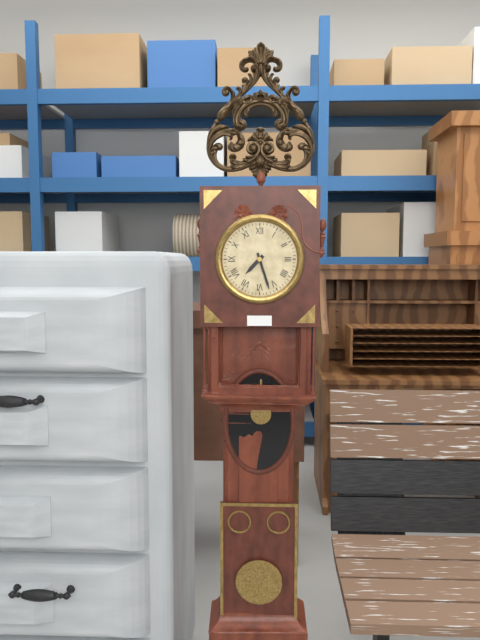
7:27
